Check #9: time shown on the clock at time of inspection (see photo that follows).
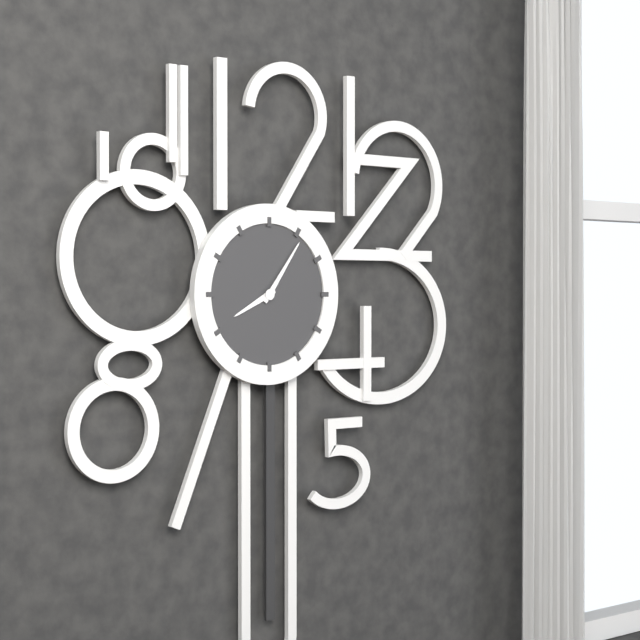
8:06
